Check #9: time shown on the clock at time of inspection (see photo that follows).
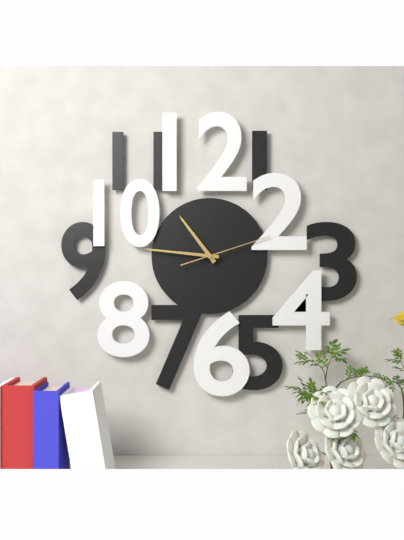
10:46:12
